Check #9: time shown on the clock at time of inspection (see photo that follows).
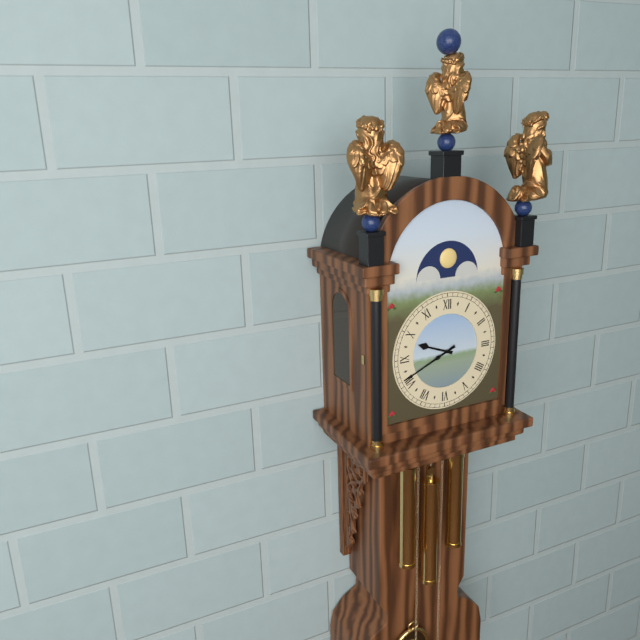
9:41
